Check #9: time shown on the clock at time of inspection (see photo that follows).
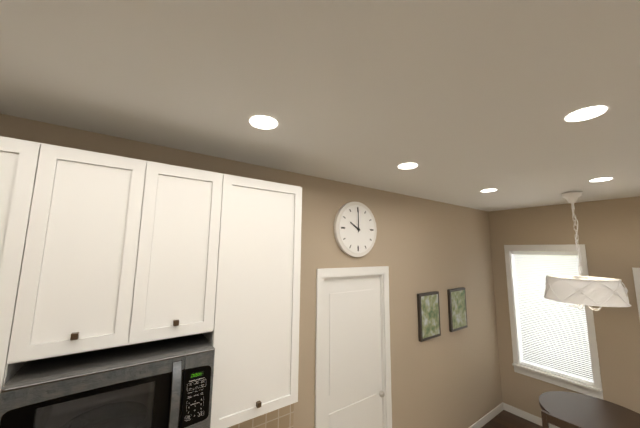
10:00
